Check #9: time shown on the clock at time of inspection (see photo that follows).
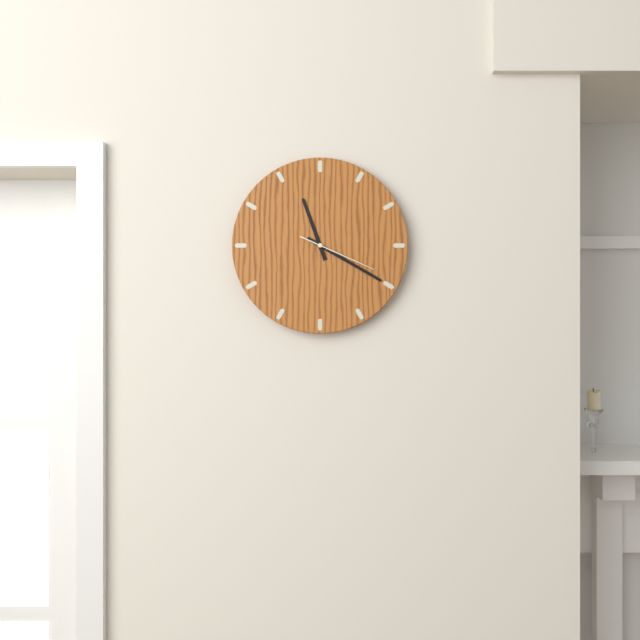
11:20:19
